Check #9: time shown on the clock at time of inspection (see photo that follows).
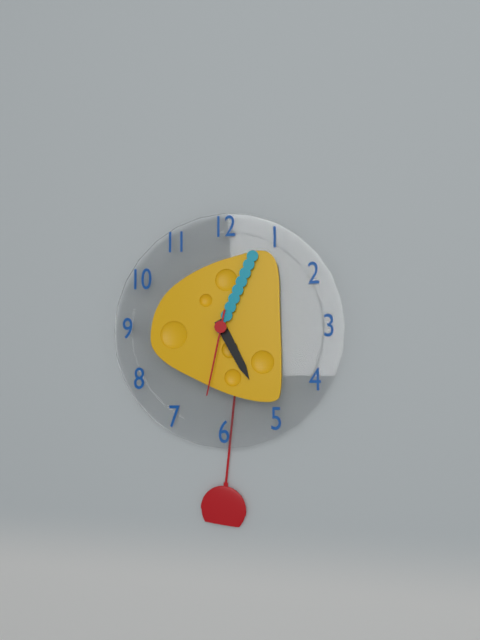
5:04:32
